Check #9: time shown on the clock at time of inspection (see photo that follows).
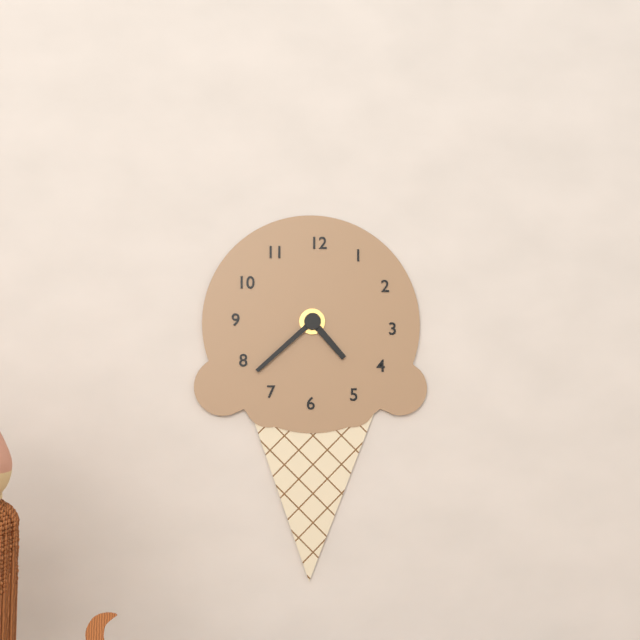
4:38
